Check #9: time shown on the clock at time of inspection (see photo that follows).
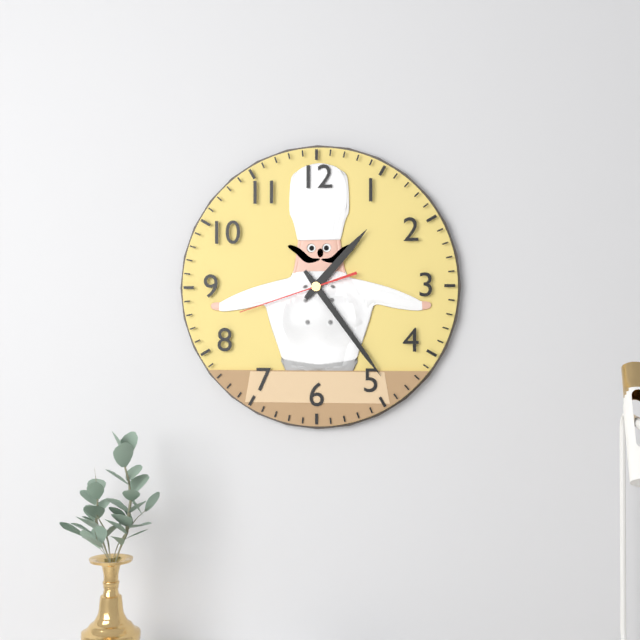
1:24:42
